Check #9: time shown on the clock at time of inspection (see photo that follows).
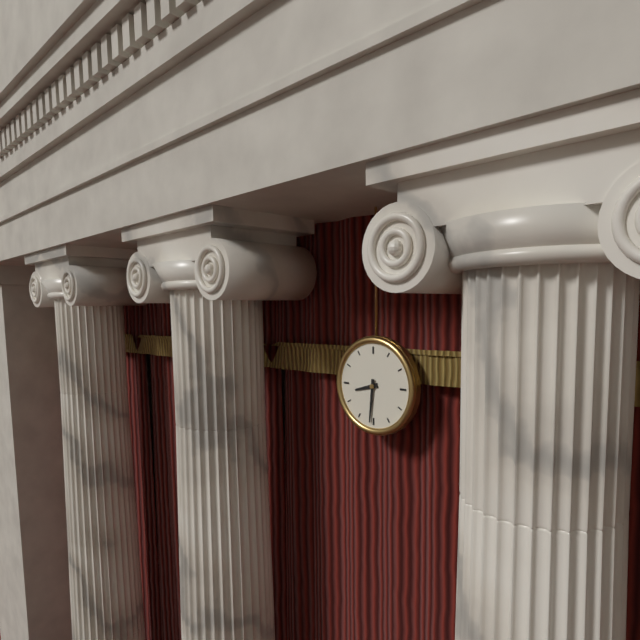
8:31
